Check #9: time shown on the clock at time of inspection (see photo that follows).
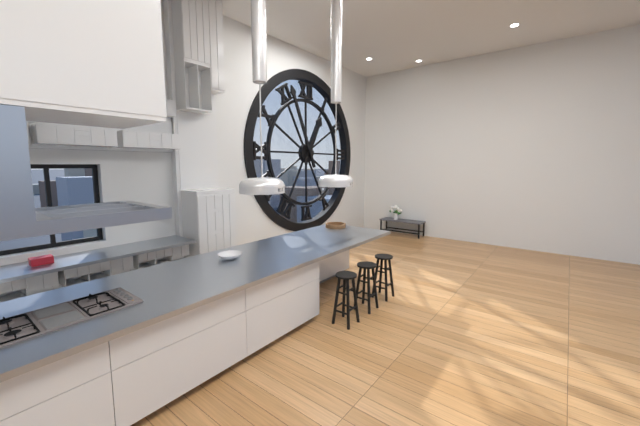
12:56
